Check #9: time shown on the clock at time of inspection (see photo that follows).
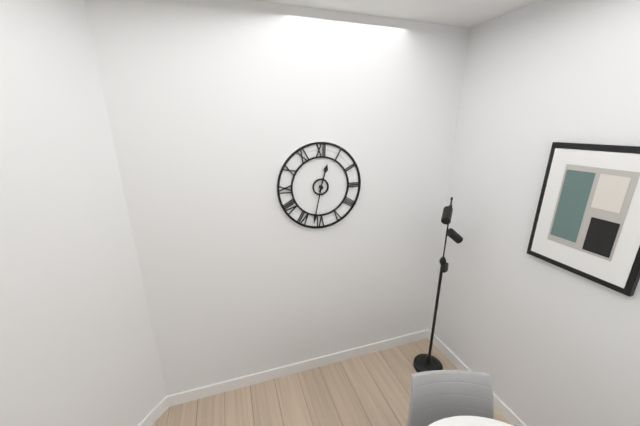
12:32
